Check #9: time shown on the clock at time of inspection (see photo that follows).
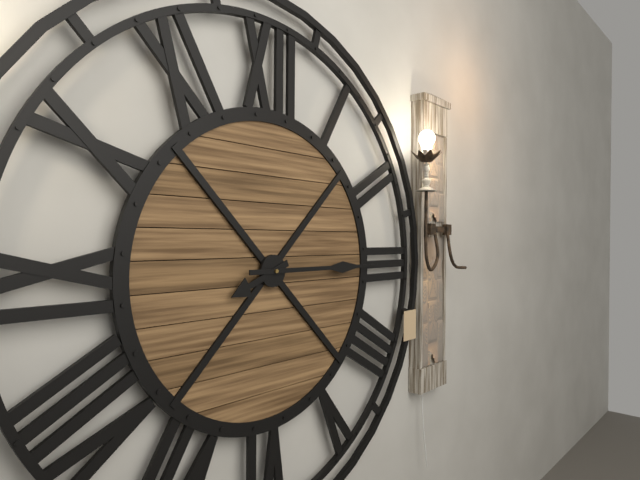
8:15
